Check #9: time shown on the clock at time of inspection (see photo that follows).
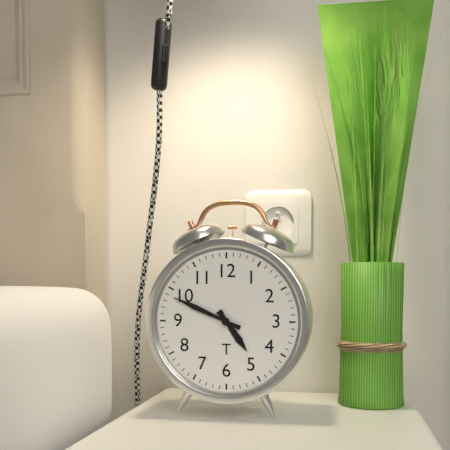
4:49
